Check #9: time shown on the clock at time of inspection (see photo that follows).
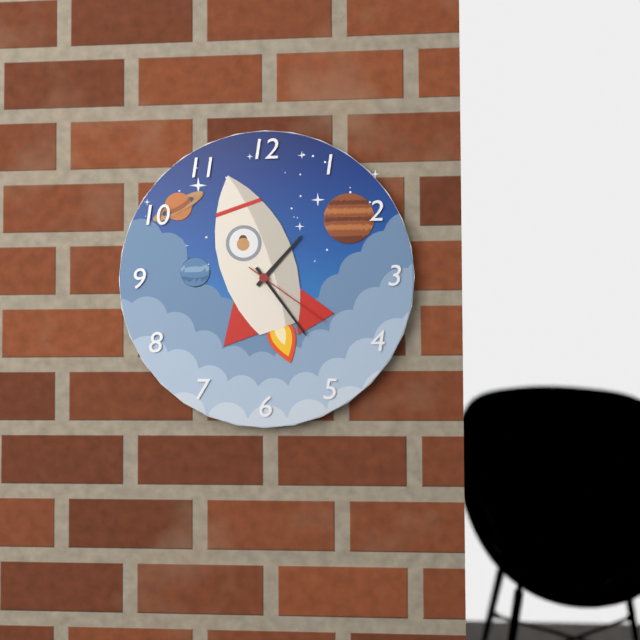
1:24:21
